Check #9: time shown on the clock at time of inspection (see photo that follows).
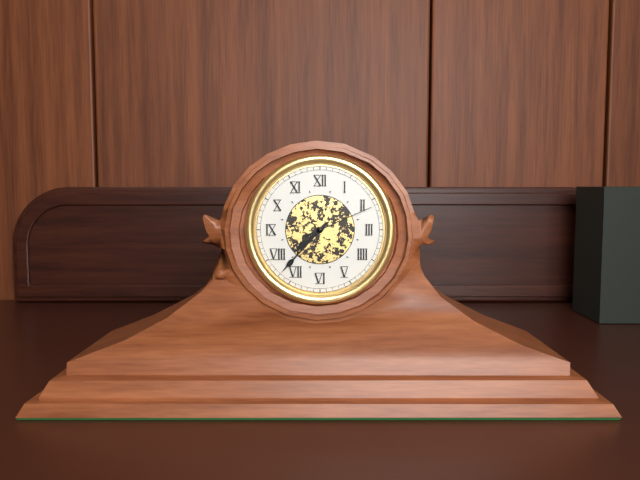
7:37:11
